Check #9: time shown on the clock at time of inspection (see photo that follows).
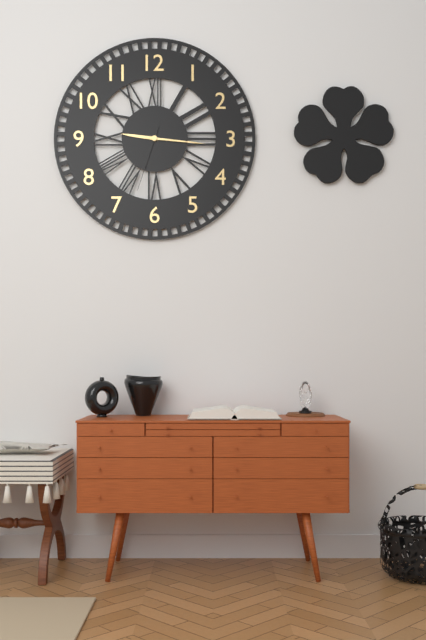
9:16:33
